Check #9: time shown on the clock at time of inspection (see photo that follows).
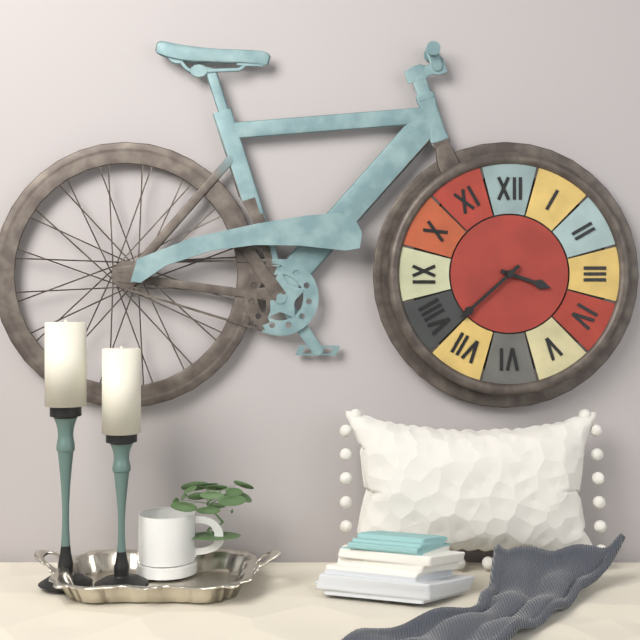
3:38
